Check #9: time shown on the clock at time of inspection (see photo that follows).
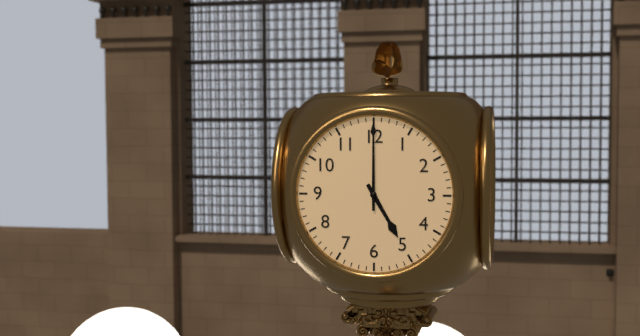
5:00
